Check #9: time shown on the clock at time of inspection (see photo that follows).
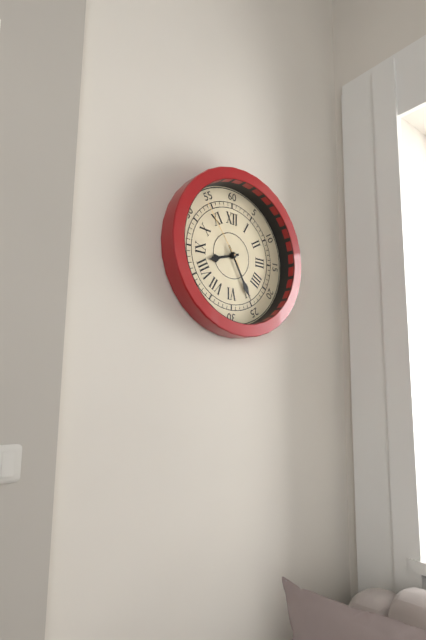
8:25:54
